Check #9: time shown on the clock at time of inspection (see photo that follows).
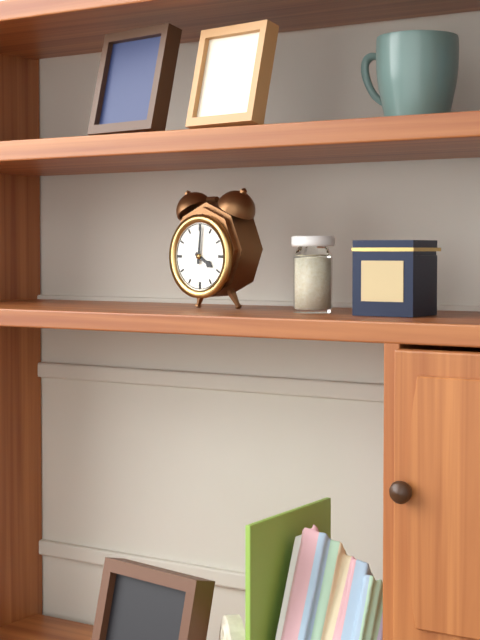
4:01
